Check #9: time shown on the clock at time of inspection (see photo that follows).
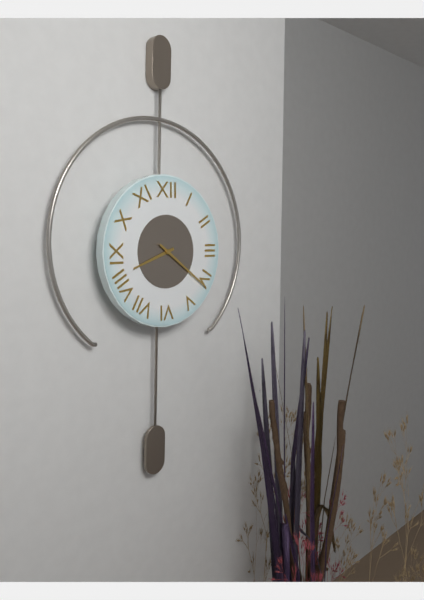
8:21
